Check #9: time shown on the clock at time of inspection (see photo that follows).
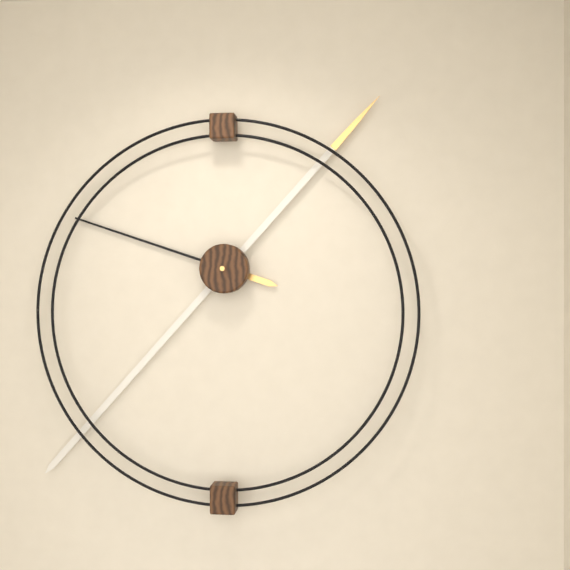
9:37
